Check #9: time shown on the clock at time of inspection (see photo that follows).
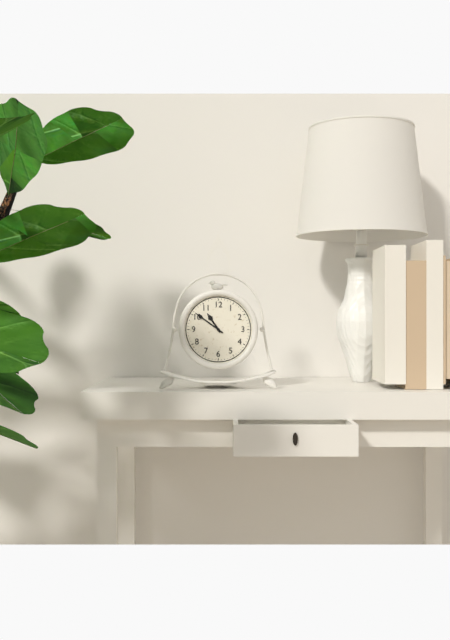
10:51
